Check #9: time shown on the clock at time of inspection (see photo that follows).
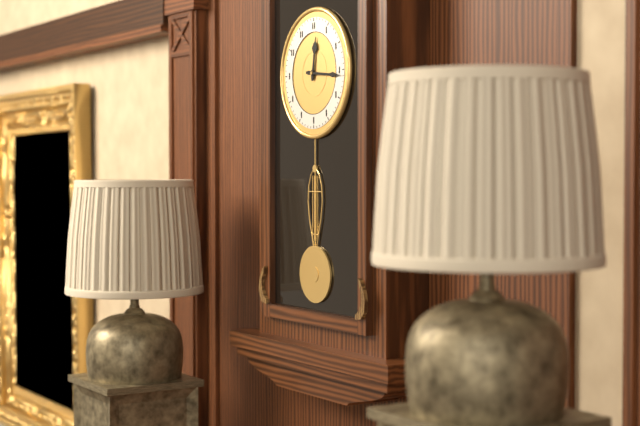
12:16
